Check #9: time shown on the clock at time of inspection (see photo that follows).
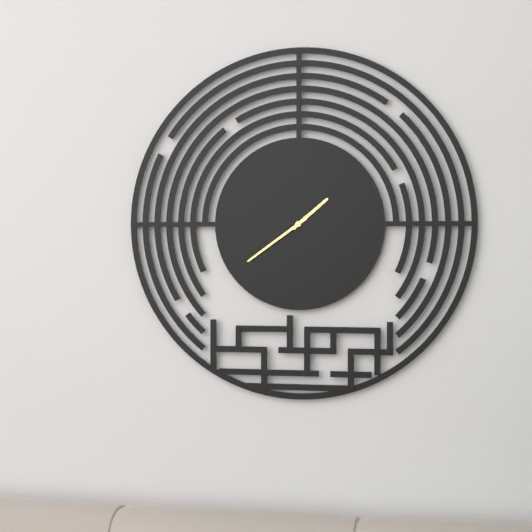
1:39
